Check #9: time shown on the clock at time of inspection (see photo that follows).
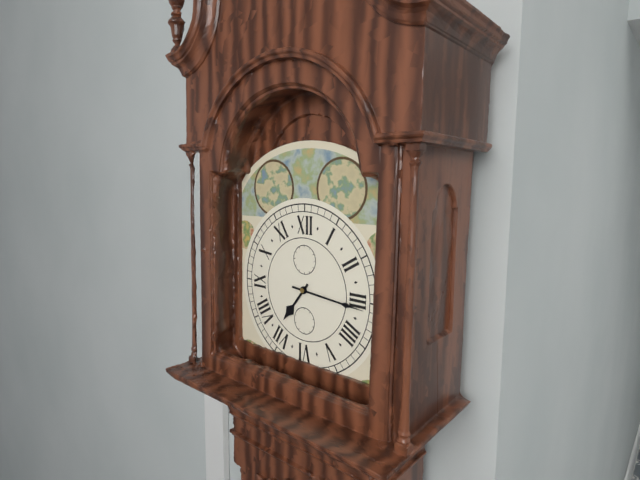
7:16
